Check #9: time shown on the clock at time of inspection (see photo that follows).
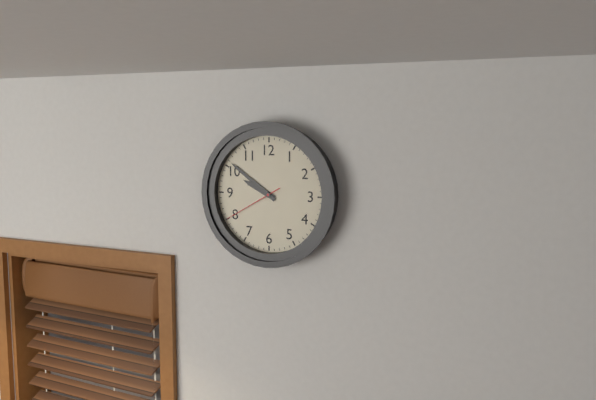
9:51:40
